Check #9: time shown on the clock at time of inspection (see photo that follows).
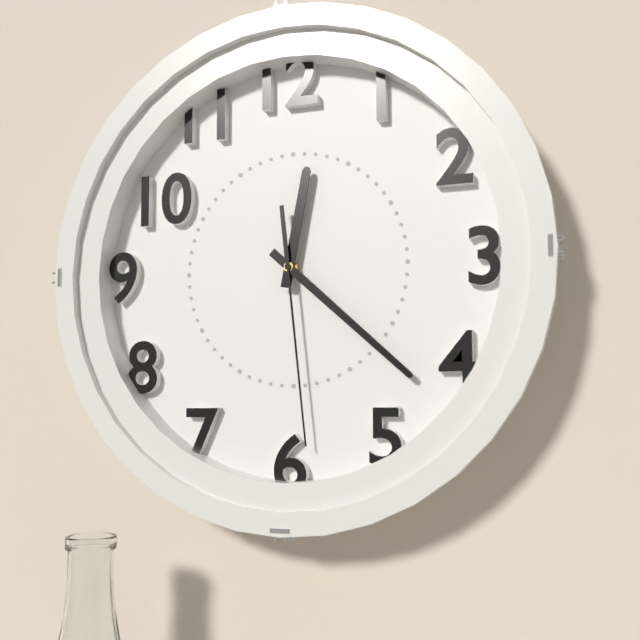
12:22:29
